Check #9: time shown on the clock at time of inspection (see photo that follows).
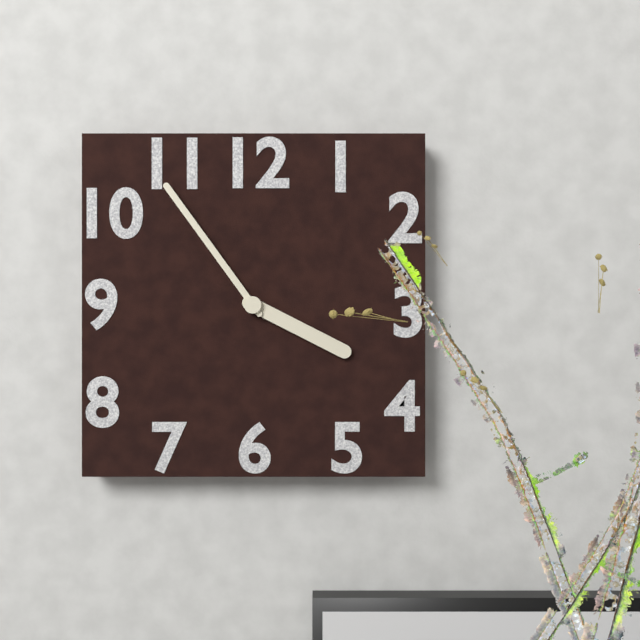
3:54
